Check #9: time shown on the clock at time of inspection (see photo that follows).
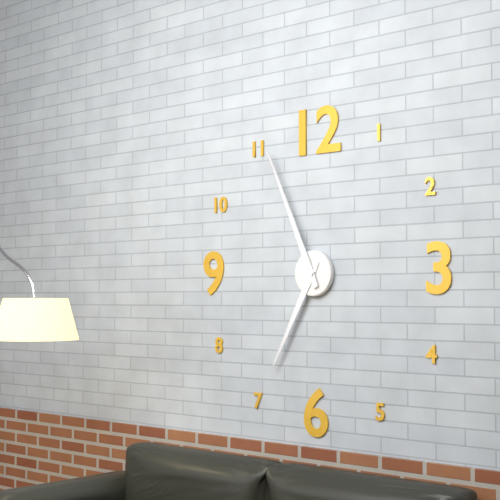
6:56
